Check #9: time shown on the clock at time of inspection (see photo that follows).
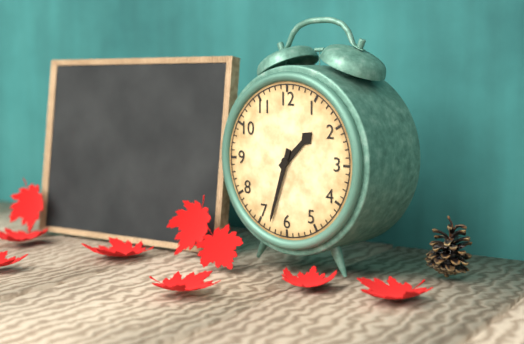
1:33
